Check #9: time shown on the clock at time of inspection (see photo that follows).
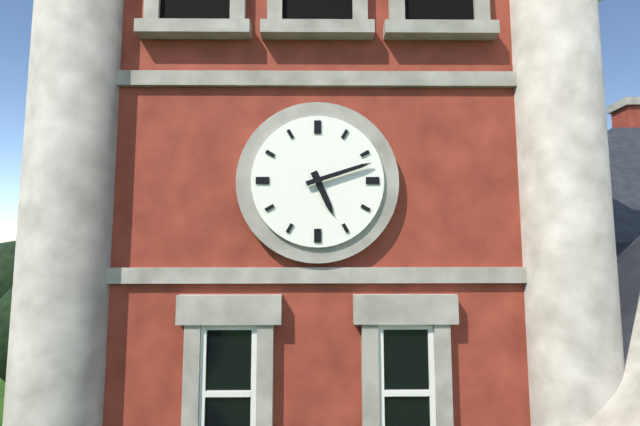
5:12
